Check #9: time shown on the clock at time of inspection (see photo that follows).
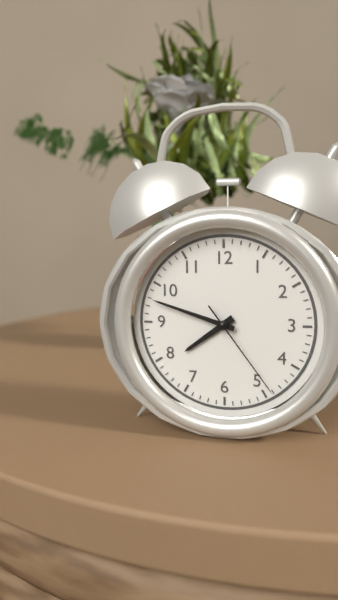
7:48:24
